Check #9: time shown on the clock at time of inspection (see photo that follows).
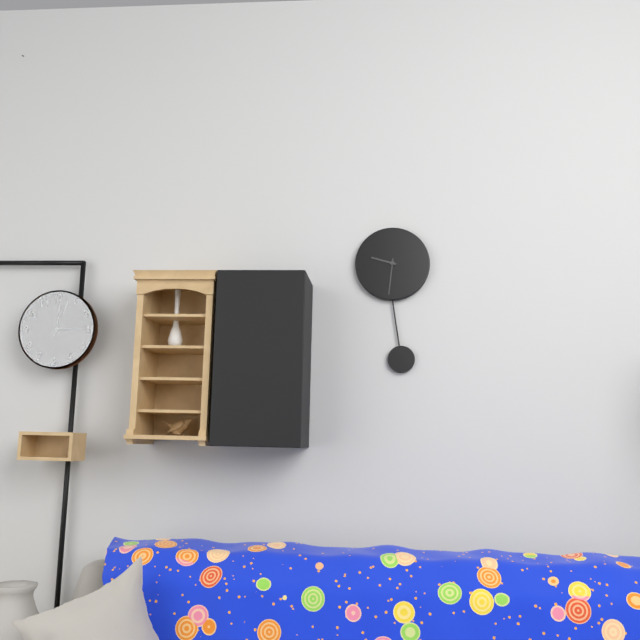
9:31
